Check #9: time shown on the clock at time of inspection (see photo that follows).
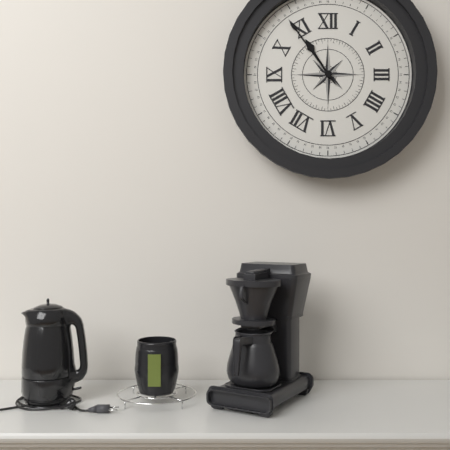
10:54
